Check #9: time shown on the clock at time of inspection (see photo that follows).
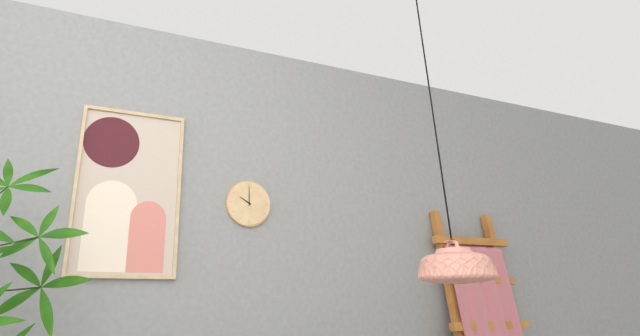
10:00
